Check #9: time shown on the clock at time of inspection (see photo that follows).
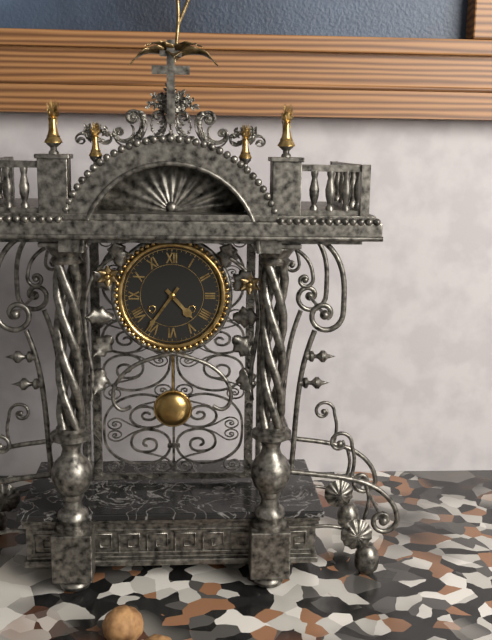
4:36
